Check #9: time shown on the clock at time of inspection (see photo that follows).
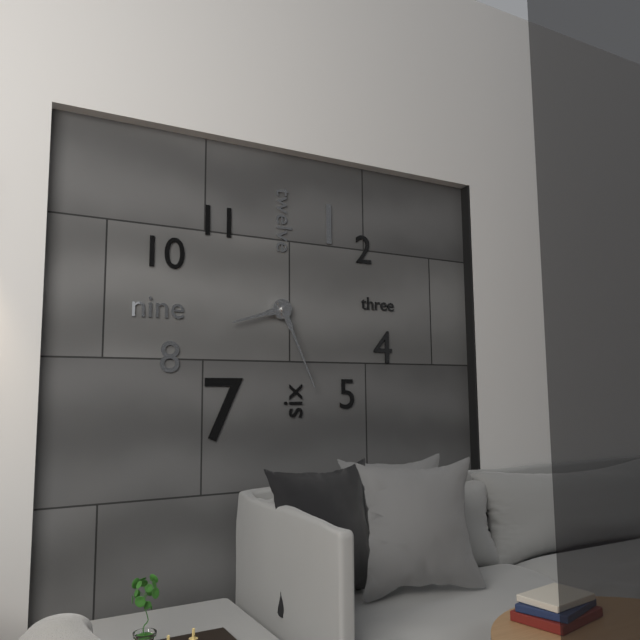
8:26
